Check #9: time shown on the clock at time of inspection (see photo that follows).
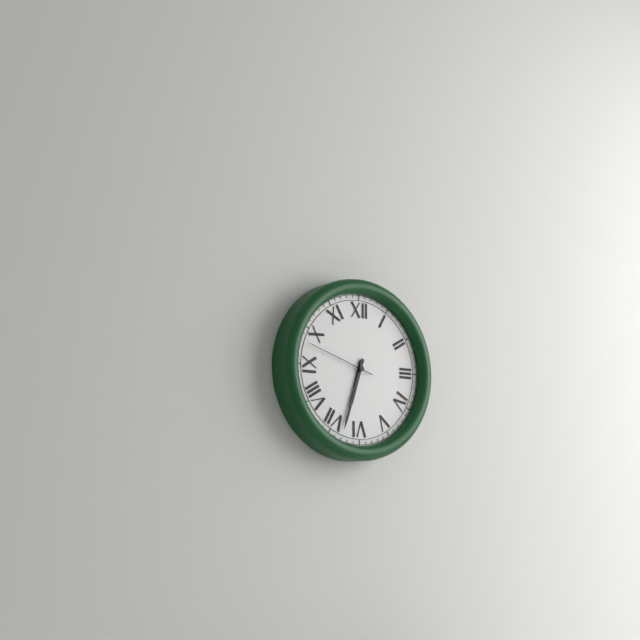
6:33:48
